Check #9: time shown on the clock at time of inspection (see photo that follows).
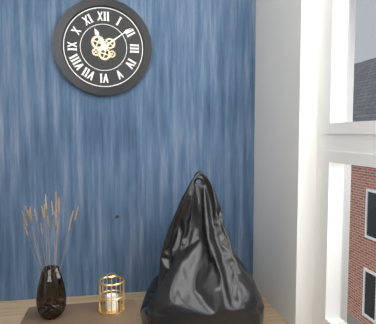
11:09
